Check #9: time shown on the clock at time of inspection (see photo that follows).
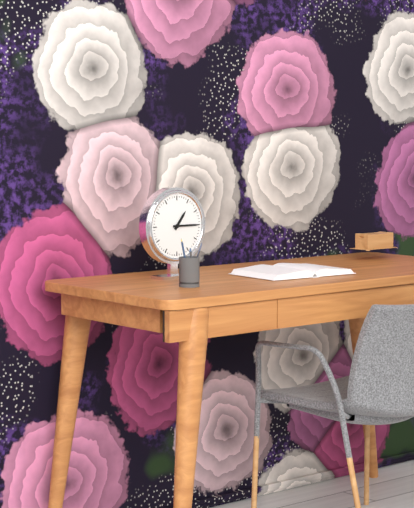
1:15
